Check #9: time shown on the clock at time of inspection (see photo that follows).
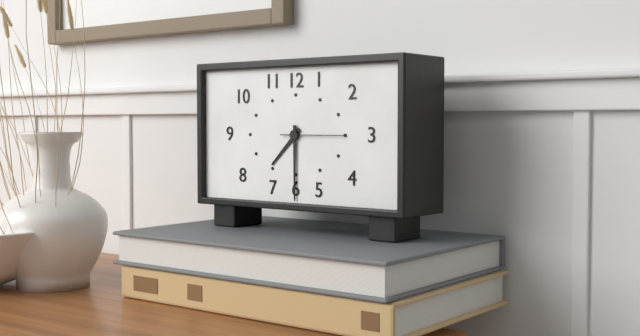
7:30:15
